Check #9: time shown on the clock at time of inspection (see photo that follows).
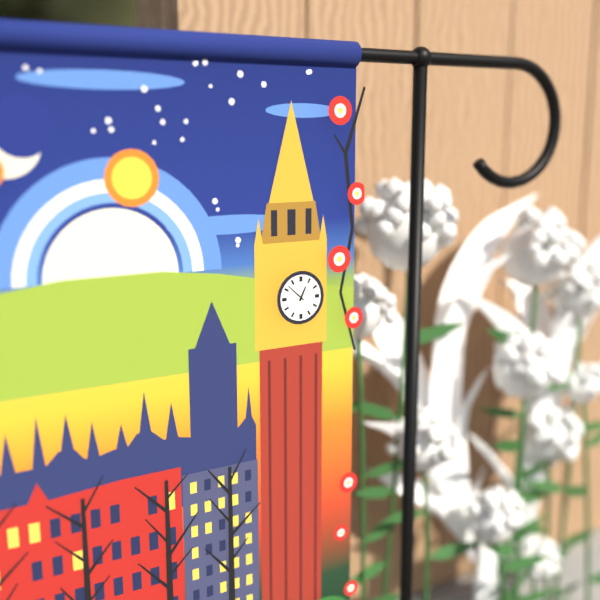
12:52
